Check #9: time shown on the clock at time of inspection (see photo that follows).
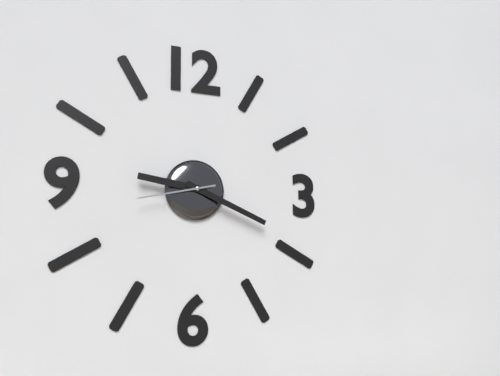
9:19:43
